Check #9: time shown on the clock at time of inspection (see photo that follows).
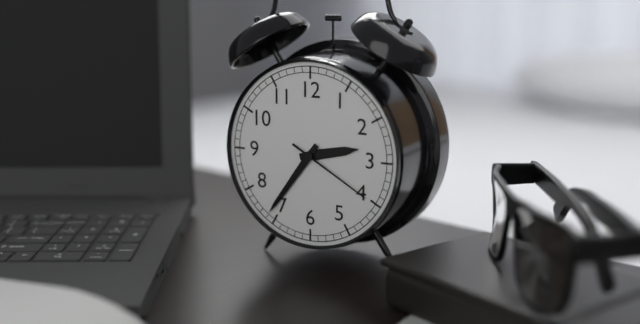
2:36:20
